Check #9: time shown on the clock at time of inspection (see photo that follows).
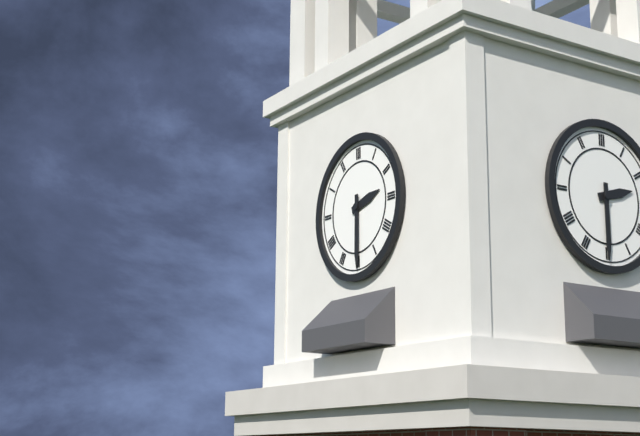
2:30
